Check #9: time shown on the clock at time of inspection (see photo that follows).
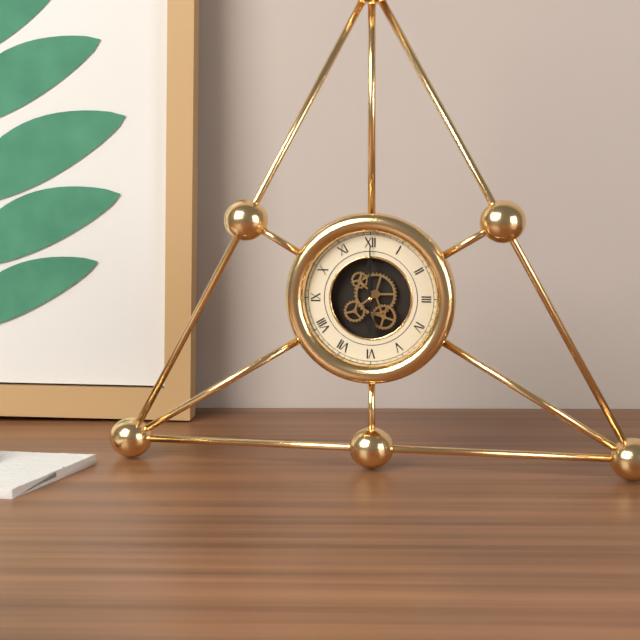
6:00
